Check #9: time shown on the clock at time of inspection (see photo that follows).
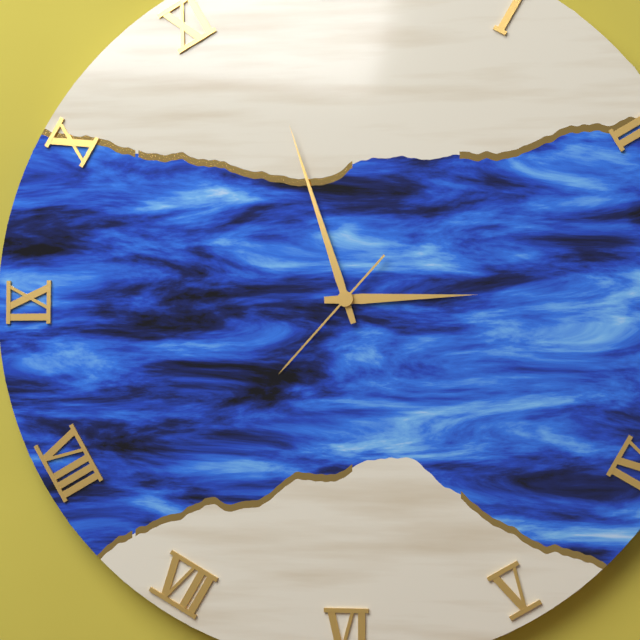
2:57:37
